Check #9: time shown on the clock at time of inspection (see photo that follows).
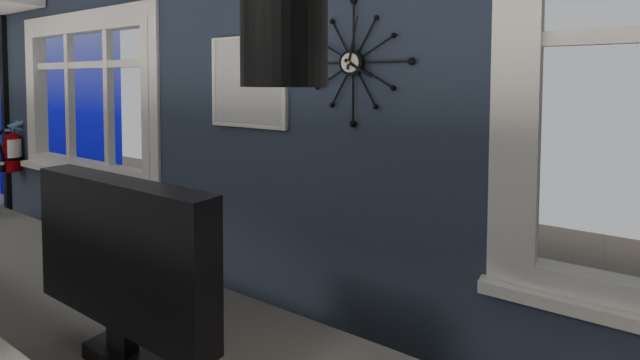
4:02
